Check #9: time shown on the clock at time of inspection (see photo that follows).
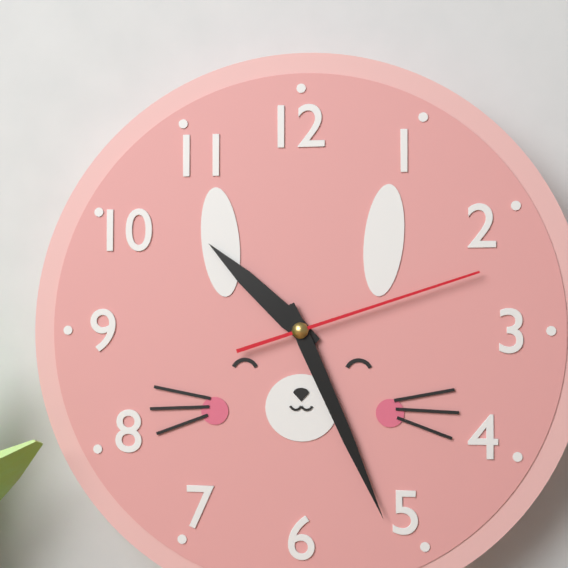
10:26:12
